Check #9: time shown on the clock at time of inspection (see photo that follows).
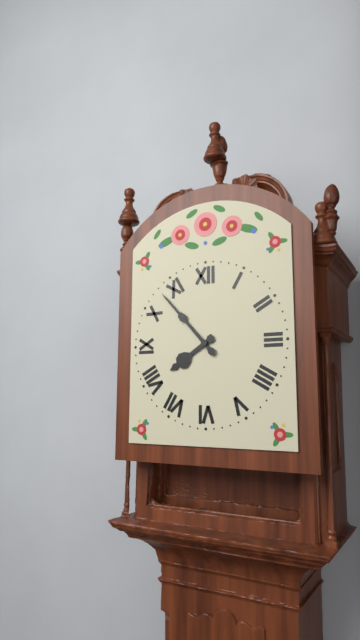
7:53
